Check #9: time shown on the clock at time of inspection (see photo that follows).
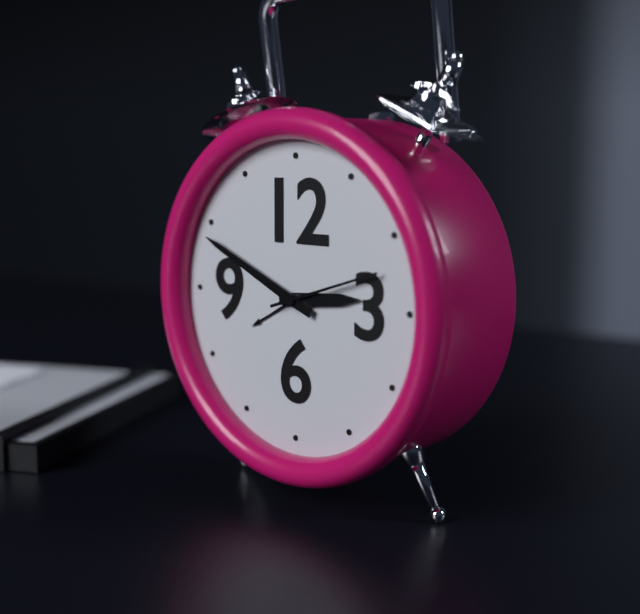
2:49:12
